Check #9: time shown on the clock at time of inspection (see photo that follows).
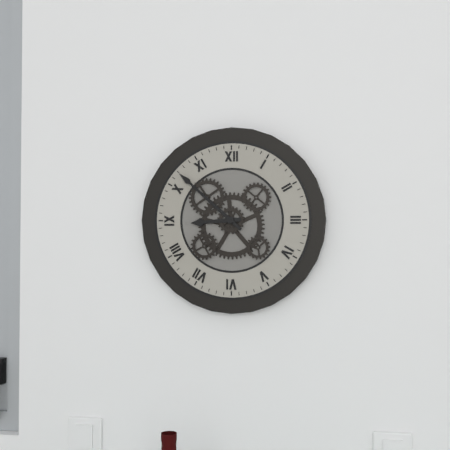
8:52
